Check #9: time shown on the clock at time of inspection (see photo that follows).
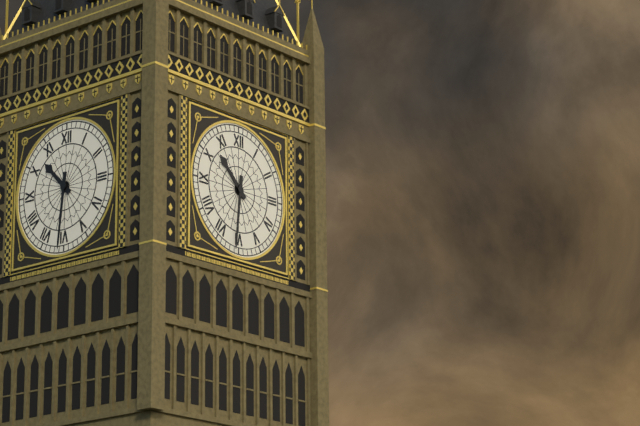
10:31
